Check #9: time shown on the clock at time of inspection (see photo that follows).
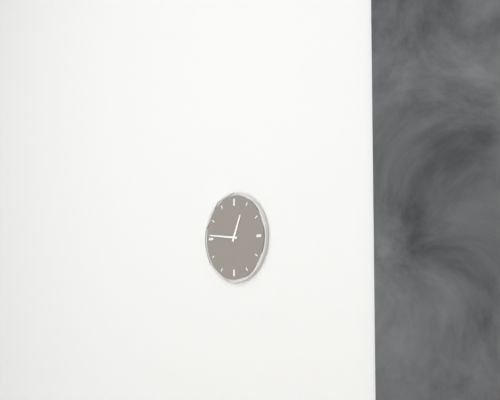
12:46
